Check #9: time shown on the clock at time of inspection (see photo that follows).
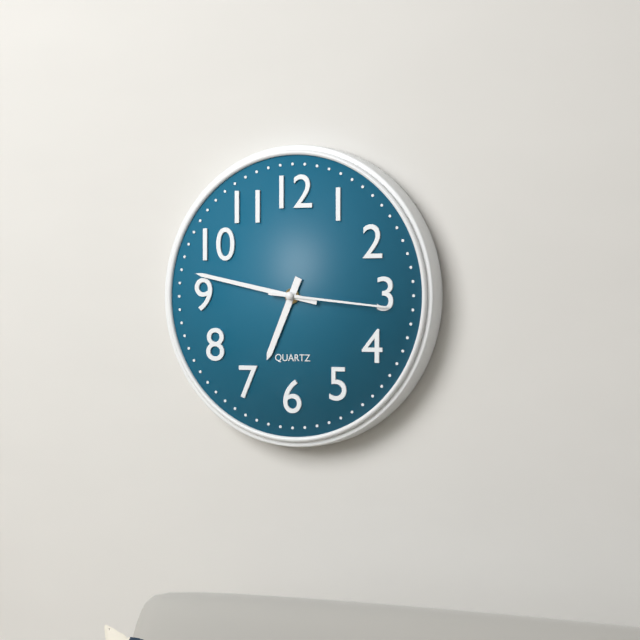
6:47:16
